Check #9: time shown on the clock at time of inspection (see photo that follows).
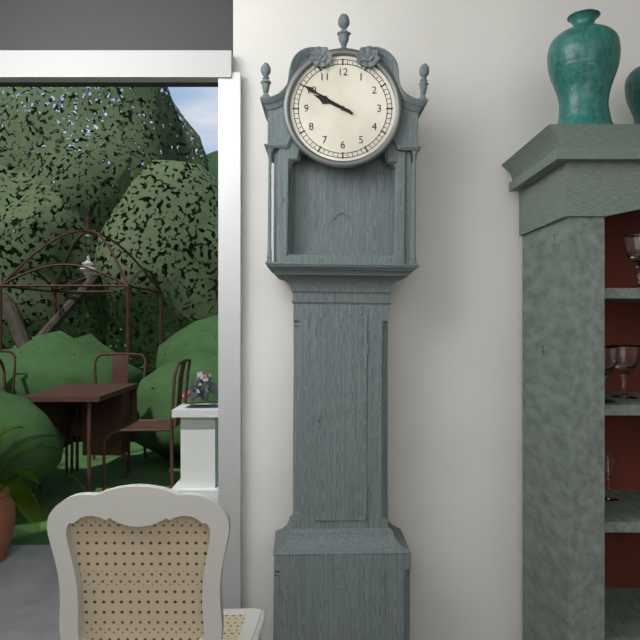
9:50
